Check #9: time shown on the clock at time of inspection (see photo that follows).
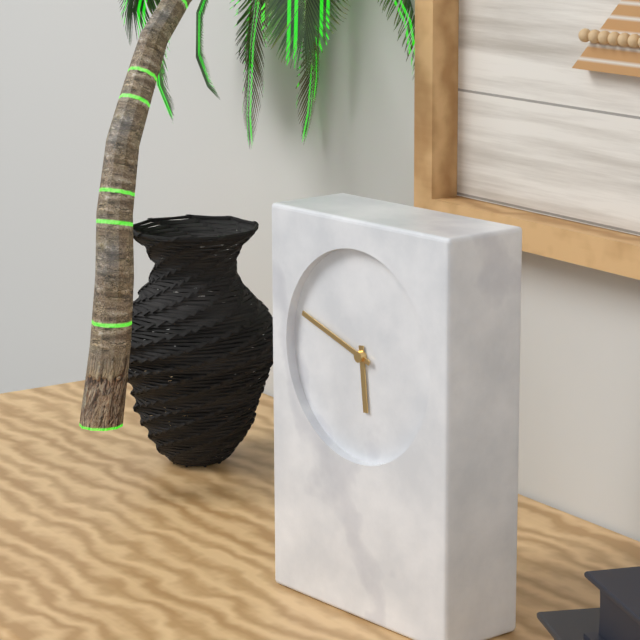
5:48
